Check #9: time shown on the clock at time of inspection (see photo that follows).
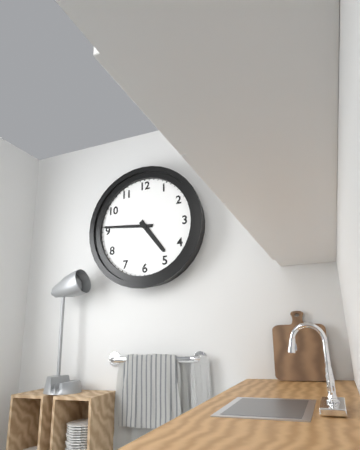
4:46
